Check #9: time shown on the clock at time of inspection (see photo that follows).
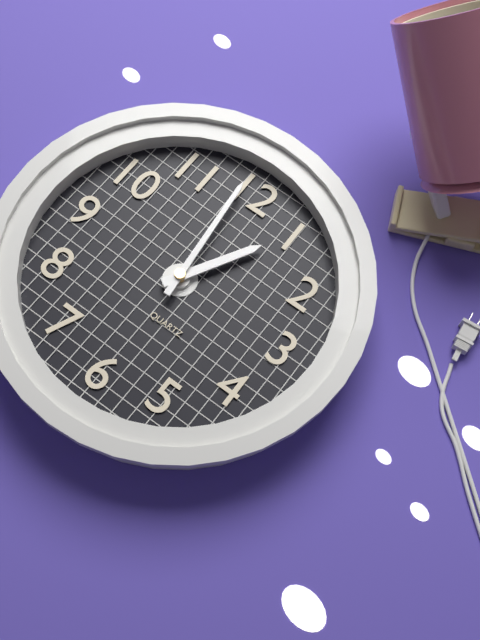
12:59
